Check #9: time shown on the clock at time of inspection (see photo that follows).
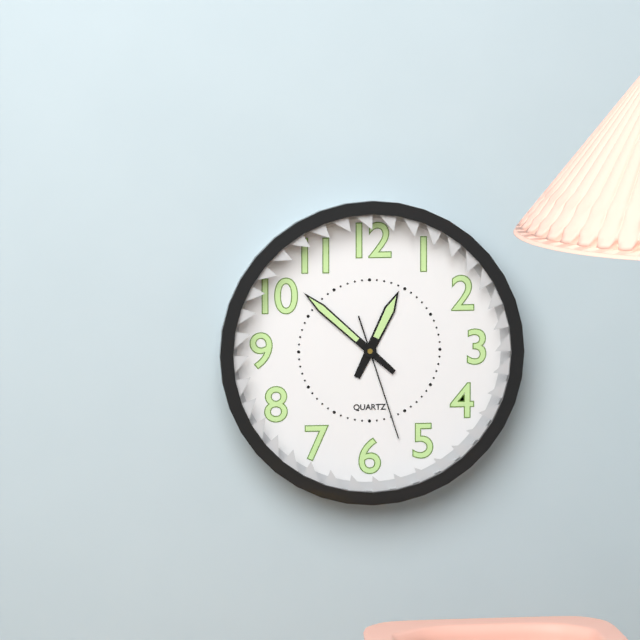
12:52:27
